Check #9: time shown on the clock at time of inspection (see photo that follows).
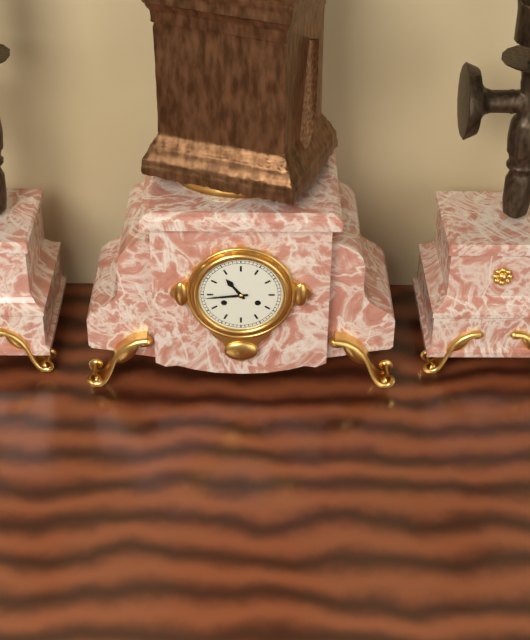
10:44
